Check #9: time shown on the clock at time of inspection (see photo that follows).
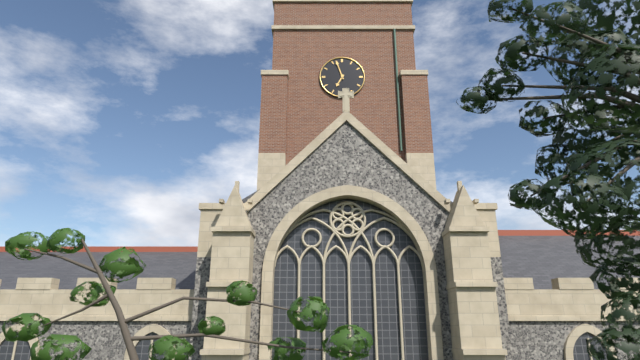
6:57
